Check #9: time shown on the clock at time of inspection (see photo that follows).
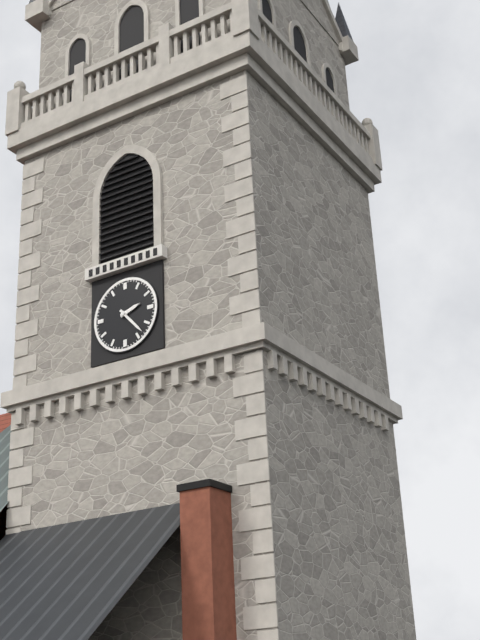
2:23
